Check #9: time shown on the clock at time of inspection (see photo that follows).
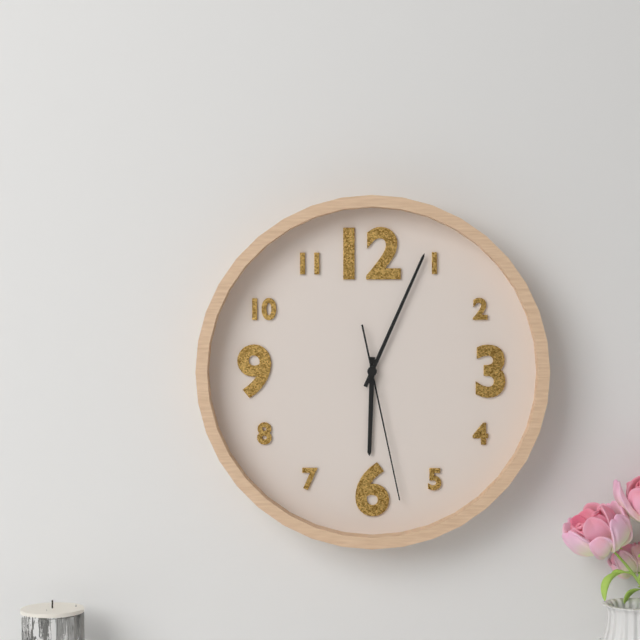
6:04:28
